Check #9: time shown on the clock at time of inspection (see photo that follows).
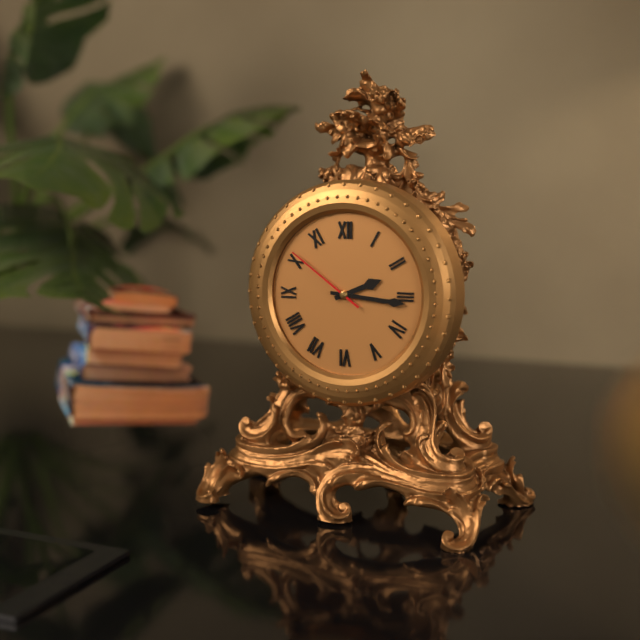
2:16:51
